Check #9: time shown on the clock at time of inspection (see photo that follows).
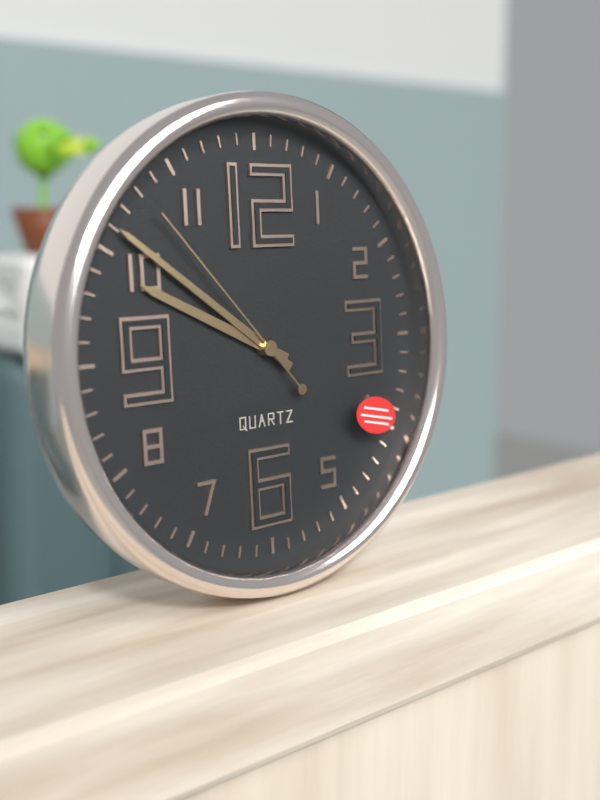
9:51:53
